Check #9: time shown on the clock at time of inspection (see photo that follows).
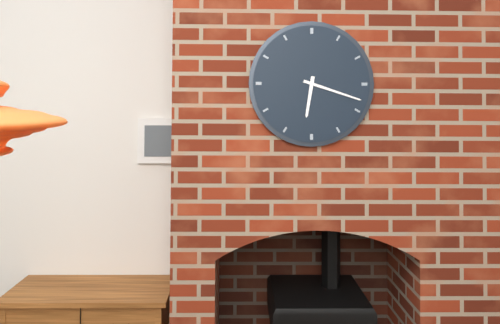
6:18
